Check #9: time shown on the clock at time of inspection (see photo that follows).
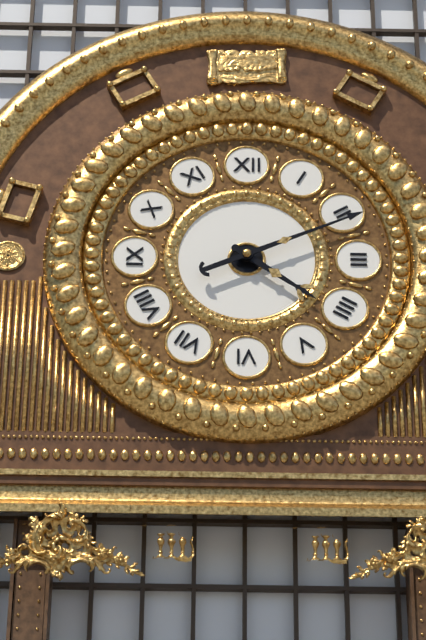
4:11
